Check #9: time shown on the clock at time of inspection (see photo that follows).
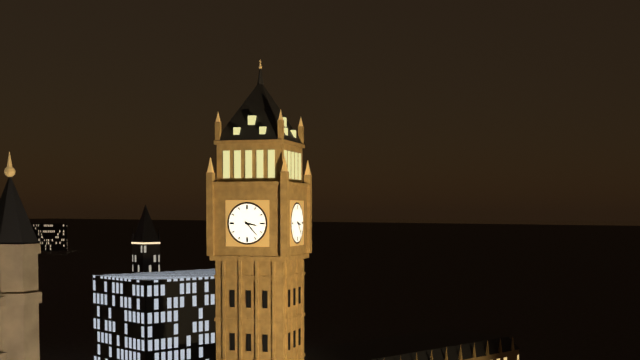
3:23
